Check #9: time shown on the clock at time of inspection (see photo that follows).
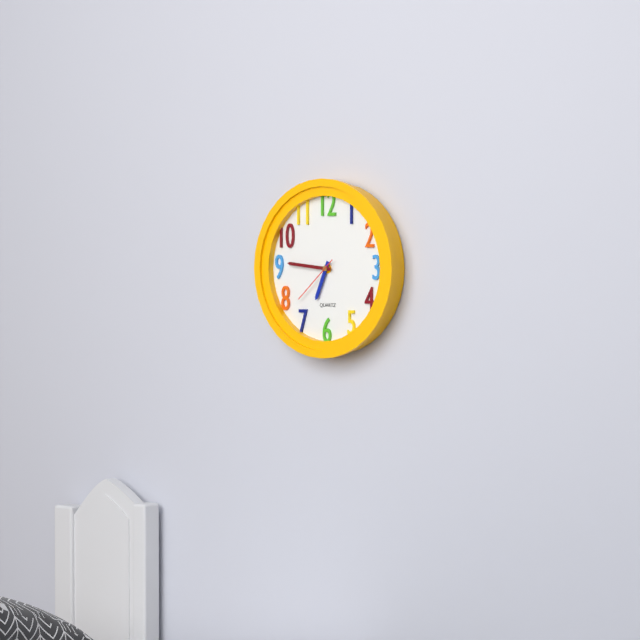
6:46:38
